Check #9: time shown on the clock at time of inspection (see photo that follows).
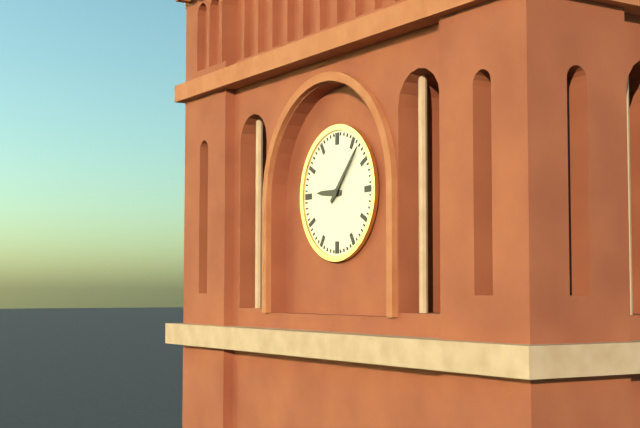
9:07
